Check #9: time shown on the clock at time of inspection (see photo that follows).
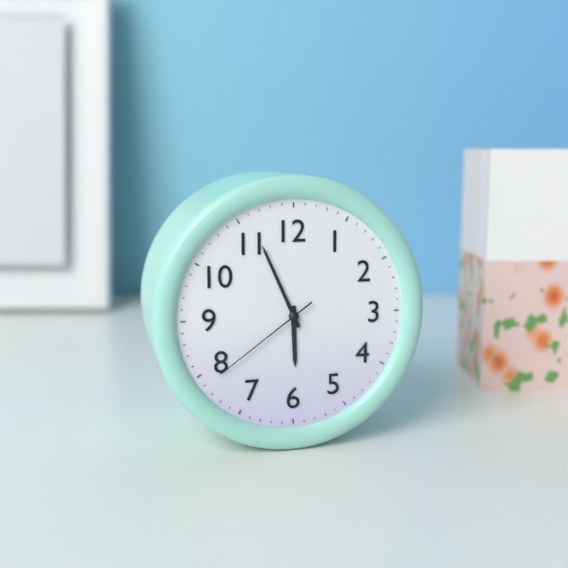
5:56:39
